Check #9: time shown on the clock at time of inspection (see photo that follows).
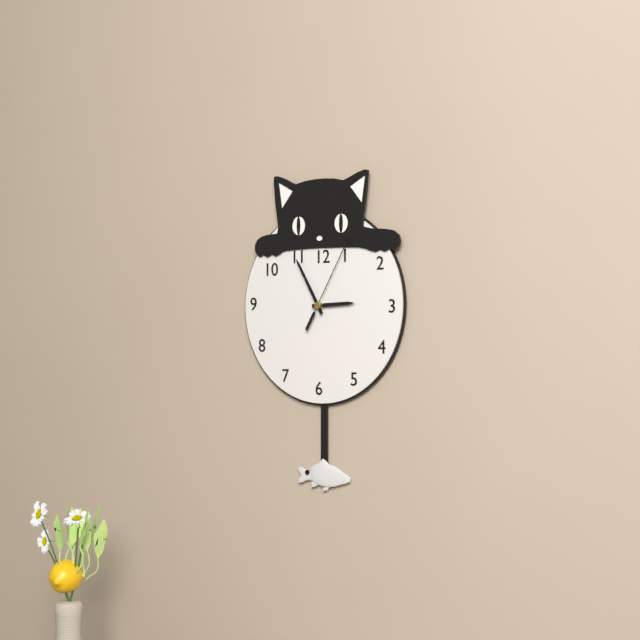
2:55:05
